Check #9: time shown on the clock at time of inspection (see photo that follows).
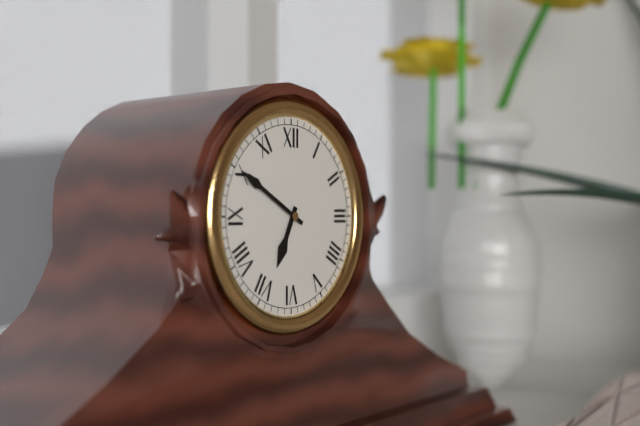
6:50
